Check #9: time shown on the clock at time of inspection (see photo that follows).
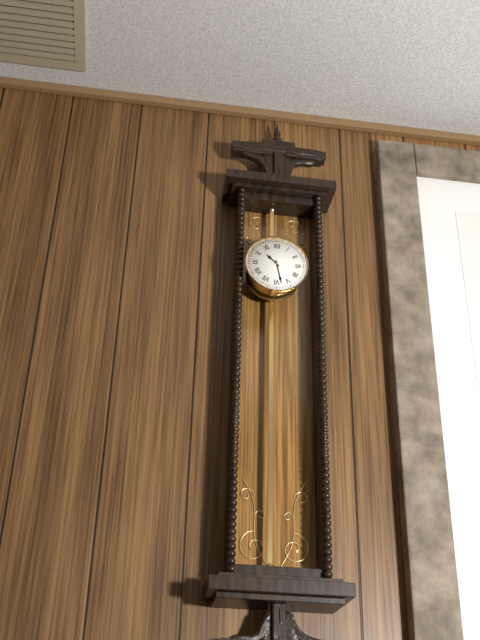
10:28
